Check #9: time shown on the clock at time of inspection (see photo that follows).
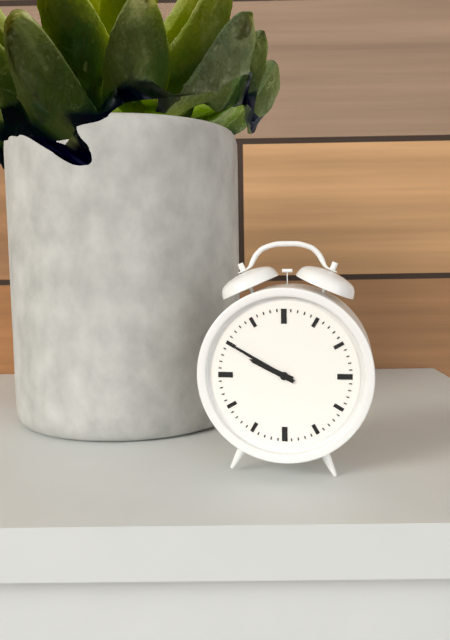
9:50
